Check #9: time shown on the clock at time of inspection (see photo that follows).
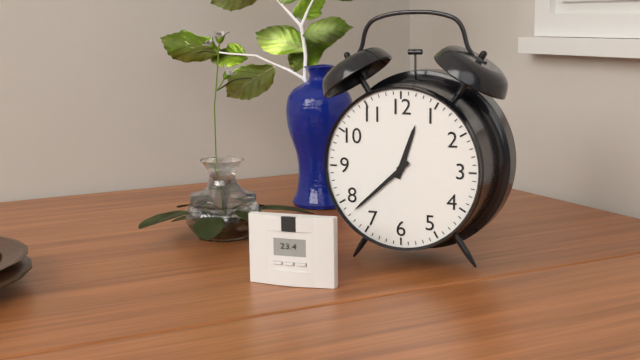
12:38
